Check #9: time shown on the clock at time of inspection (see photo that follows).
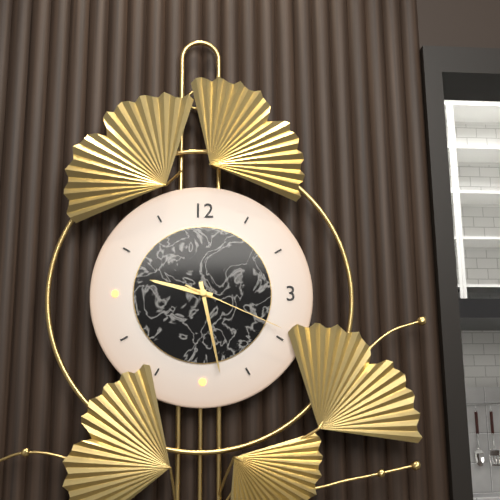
9:28:19
